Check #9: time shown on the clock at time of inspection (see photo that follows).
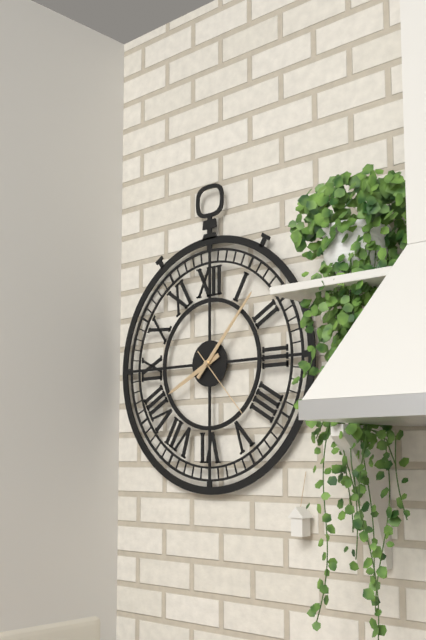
8:07:23
